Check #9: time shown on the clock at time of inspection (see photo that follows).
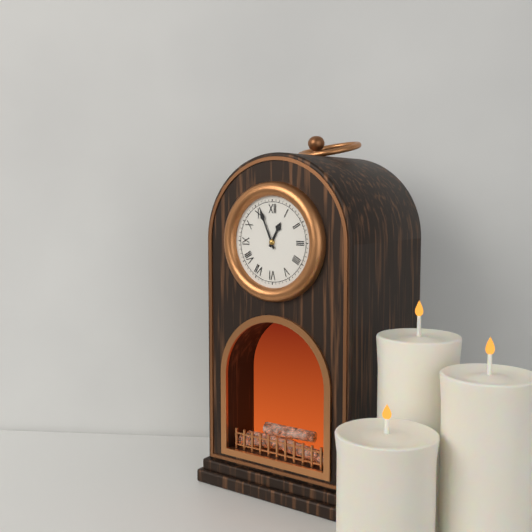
12:56
